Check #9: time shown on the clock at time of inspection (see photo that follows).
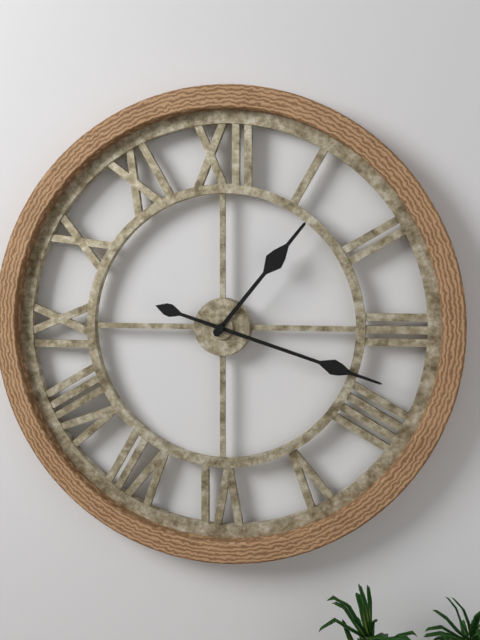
1:18
